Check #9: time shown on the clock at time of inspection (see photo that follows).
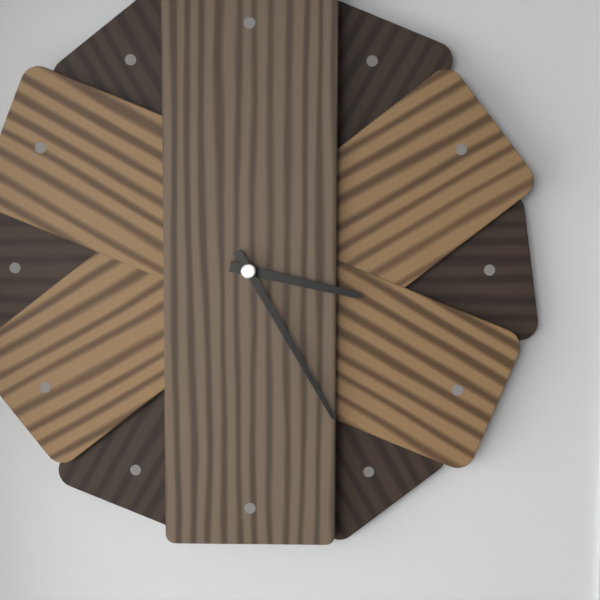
3:25
